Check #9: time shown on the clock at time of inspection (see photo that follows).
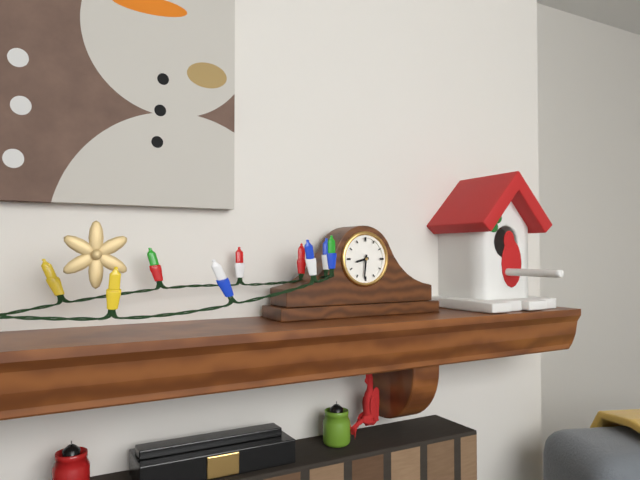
8:31
